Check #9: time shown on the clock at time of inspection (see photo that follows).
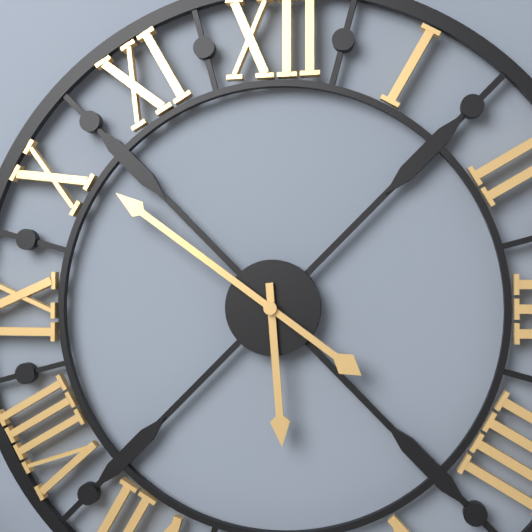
5:51
